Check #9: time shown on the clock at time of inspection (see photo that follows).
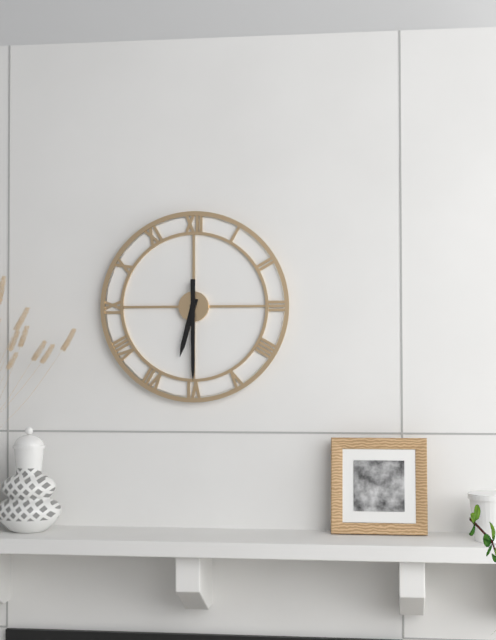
6:30
